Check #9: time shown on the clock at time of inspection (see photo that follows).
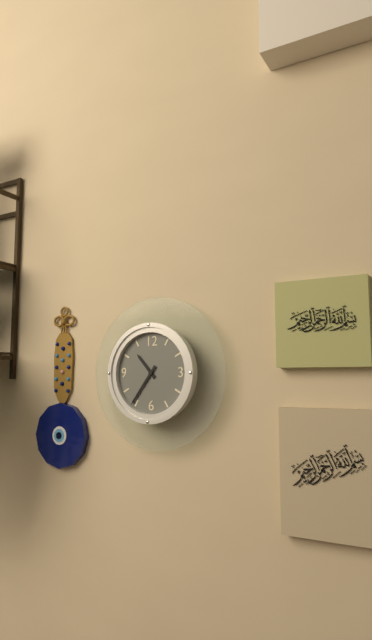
10:36
